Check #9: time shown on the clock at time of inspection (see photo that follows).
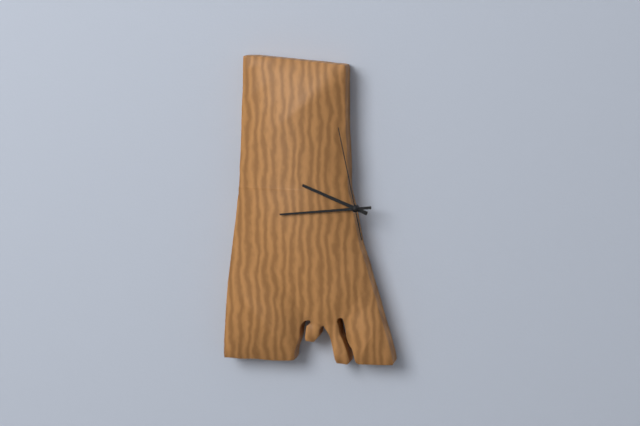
9:44:58
